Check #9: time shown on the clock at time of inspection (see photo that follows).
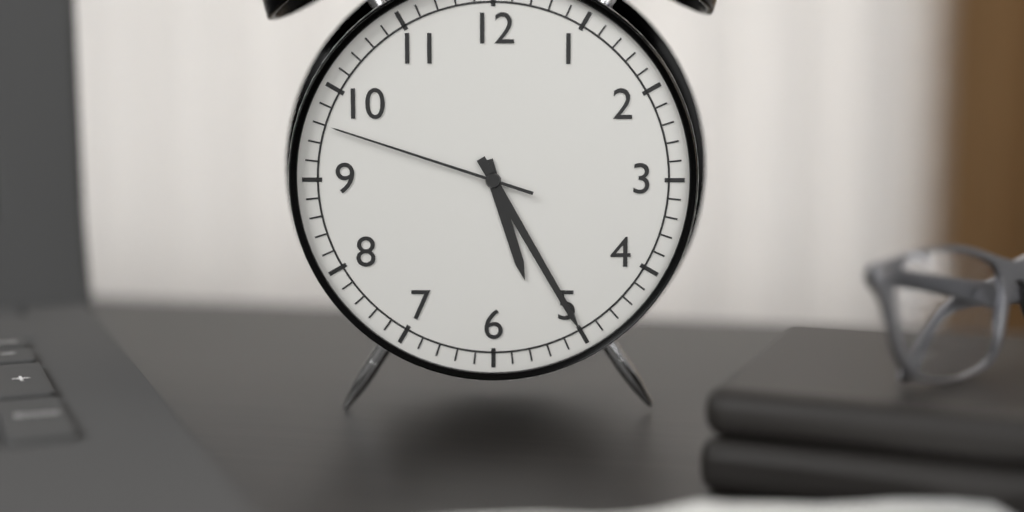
5:25:48
